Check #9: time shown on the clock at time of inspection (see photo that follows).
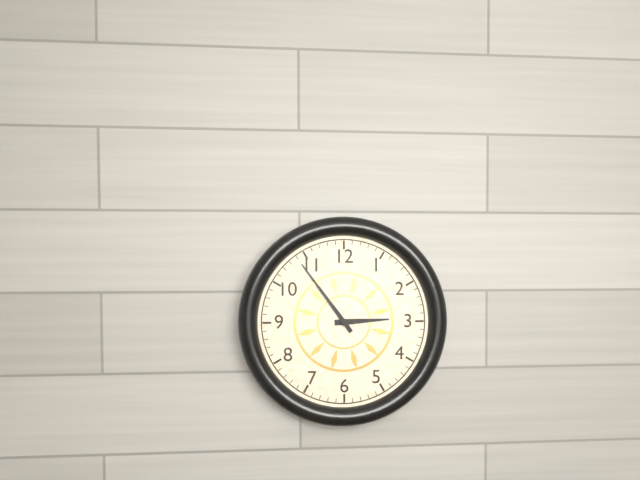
2:54
